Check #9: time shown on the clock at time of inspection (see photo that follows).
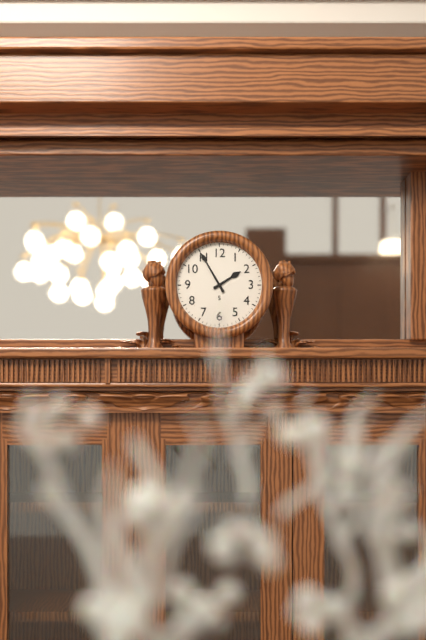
1:55
